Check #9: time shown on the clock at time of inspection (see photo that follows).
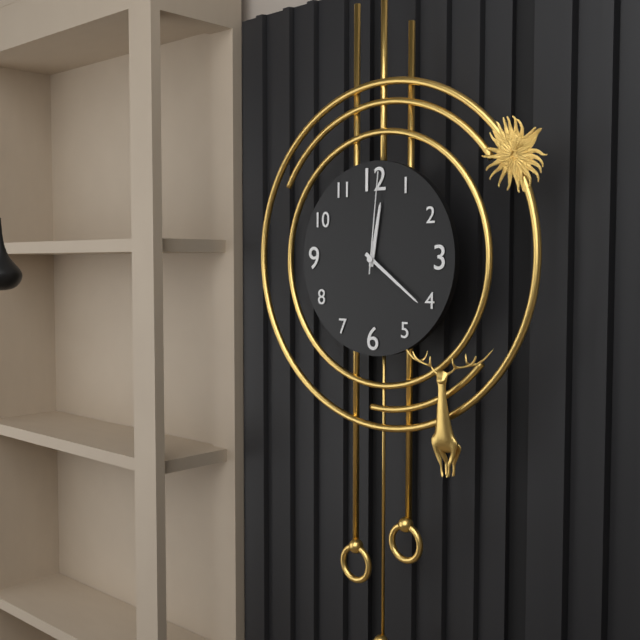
12:21:01
